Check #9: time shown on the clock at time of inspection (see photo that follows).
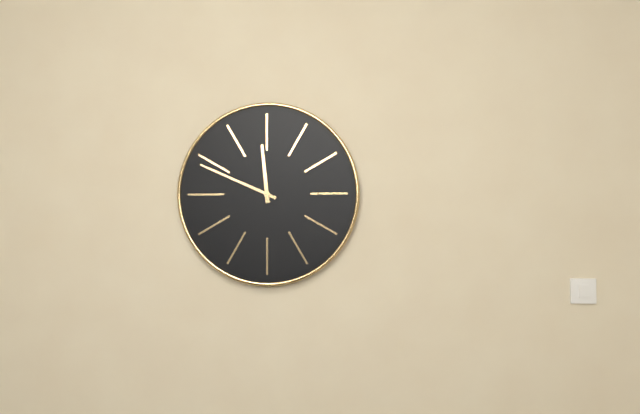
11:49
